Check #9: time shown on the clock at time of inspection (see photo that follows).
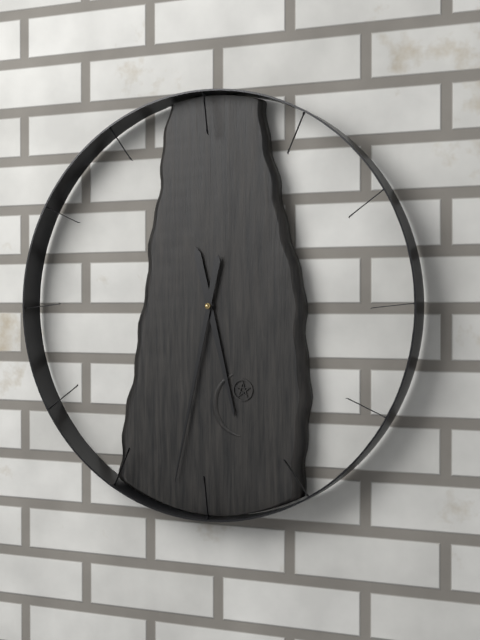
5:32
